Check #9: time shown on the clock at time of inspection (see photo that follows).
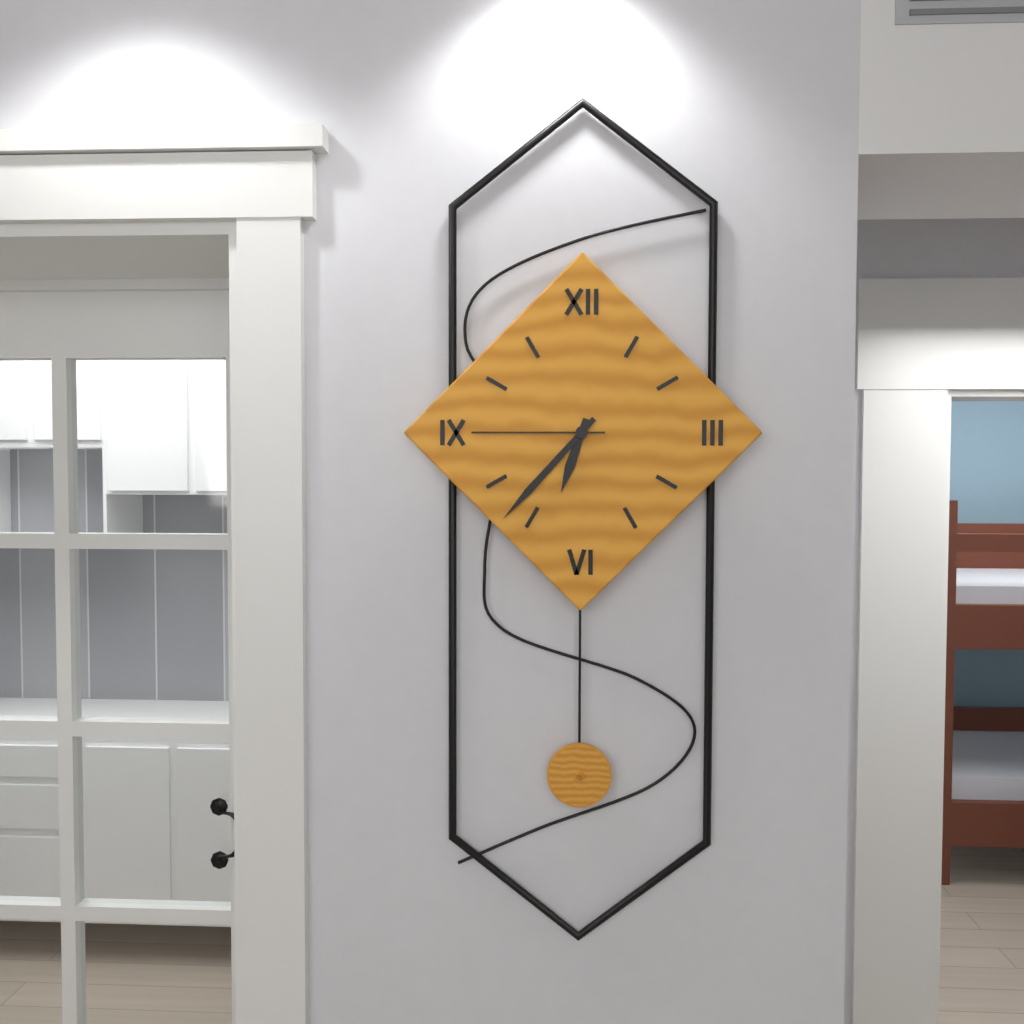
6:37:45
